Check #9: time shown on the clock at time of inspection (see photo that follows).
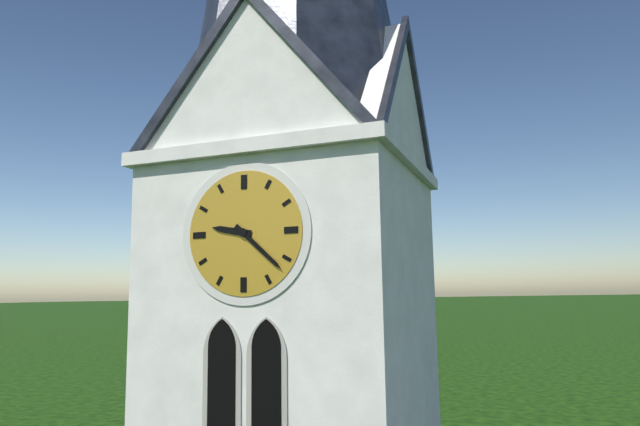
9:22
